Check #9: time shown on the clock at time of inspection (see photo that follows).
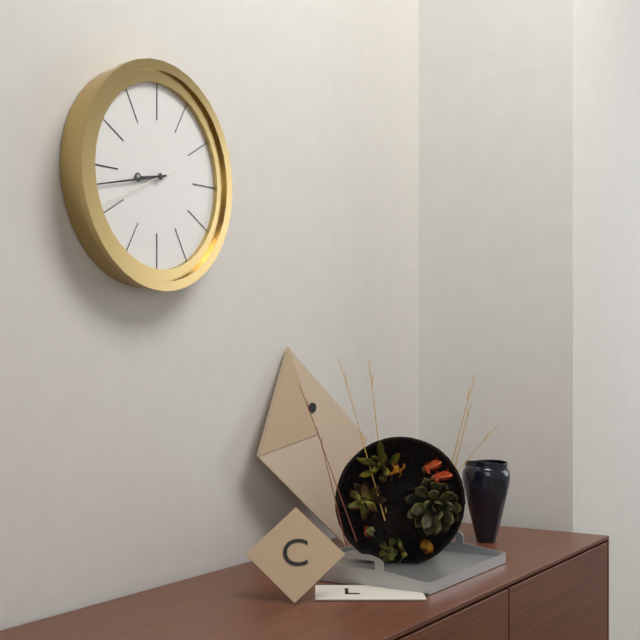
8:43:41
